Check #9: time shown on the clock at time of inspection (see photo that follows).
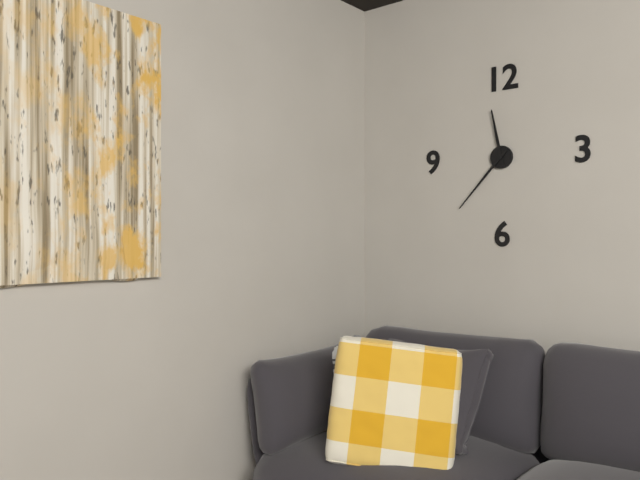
11:37
